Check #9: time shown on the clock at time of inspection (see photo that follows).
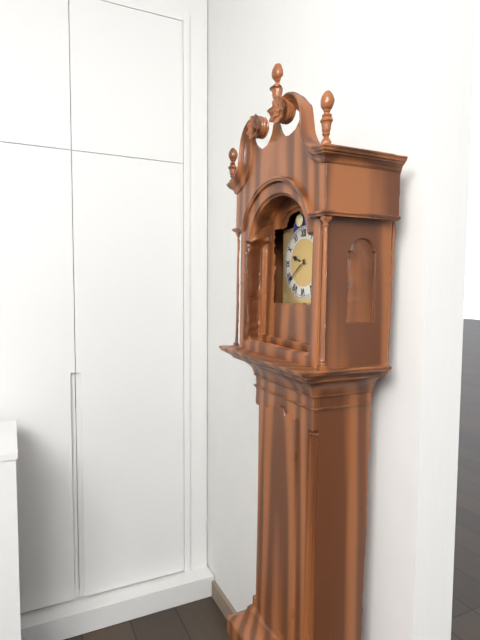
9:39
